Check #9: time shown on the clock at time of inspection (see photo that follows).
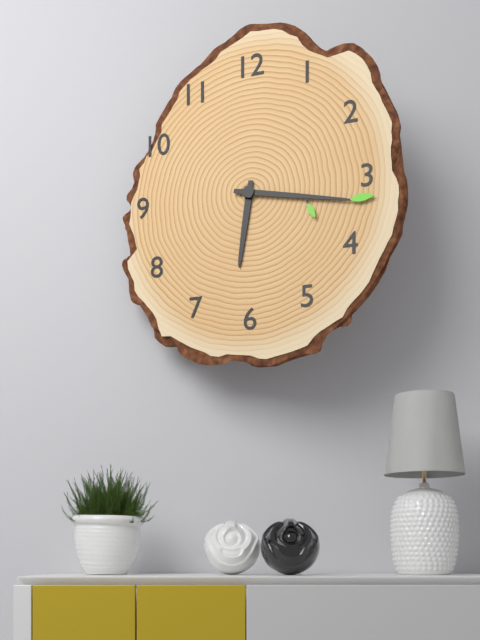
6:17
